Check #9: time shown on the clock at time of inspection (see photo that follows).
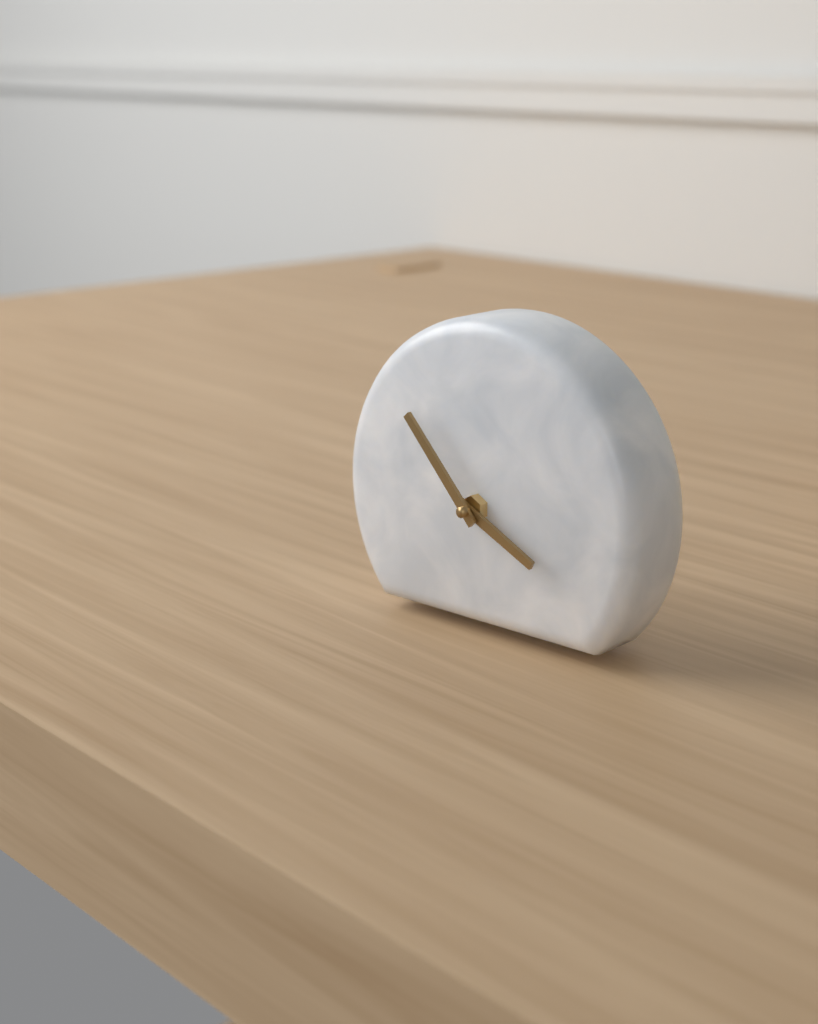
3:53
